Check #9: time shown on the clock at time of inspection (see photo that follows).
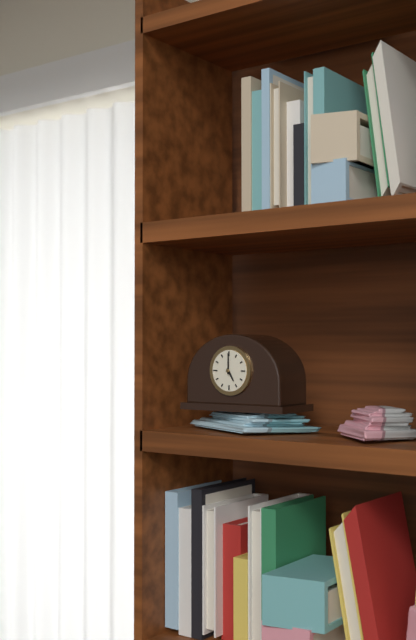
5:00
